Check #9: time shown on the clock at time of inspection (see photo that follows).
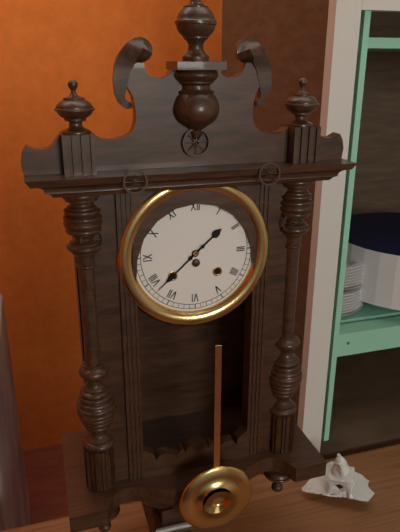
1:38
